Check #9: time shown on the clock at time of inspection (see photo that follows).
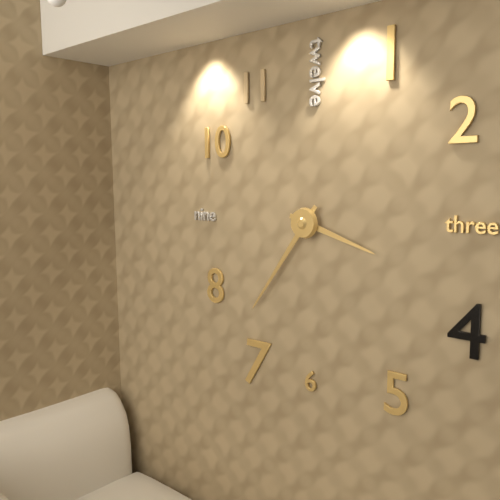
3:36
